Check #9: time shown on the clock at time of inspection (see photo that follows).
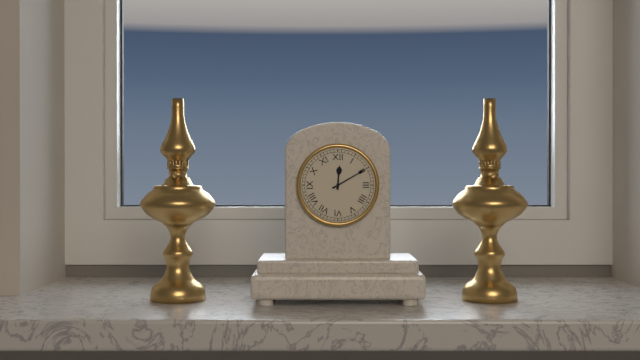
12:10
